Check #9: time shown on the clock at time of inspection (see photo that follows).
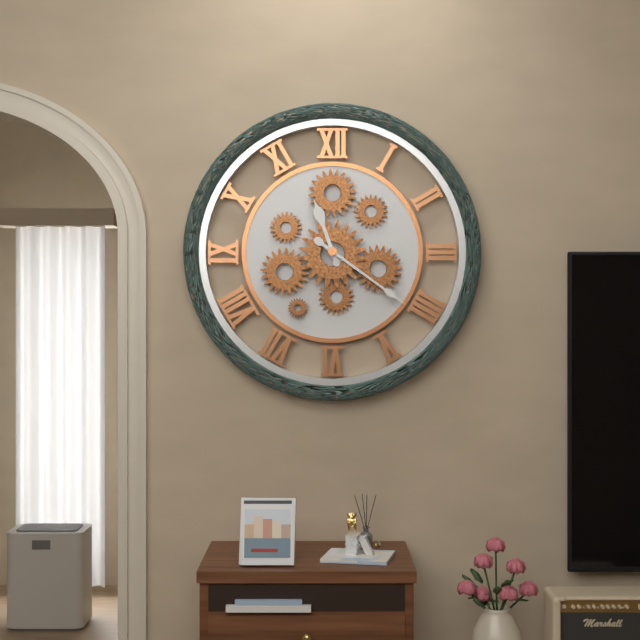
11:21
